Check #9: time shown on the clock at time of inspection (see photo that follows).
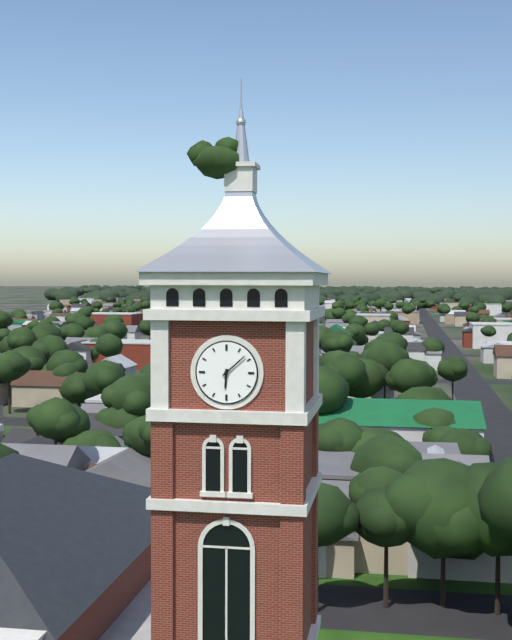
6:08
